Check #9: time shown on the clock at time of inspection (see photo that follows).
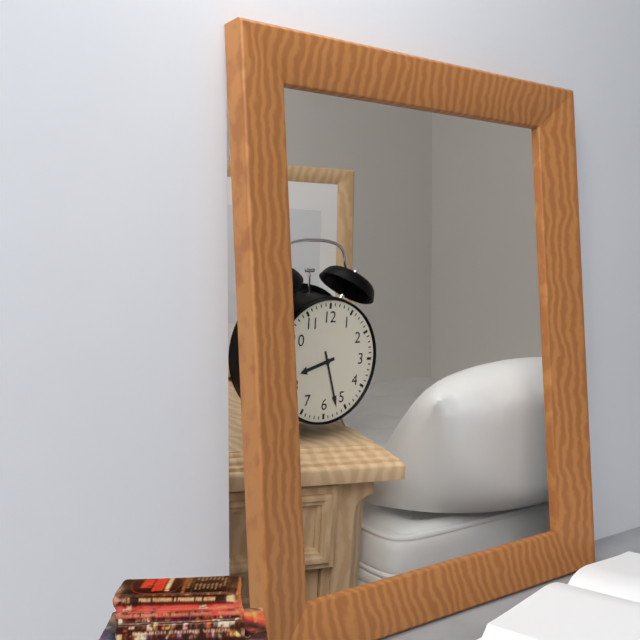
8:27
